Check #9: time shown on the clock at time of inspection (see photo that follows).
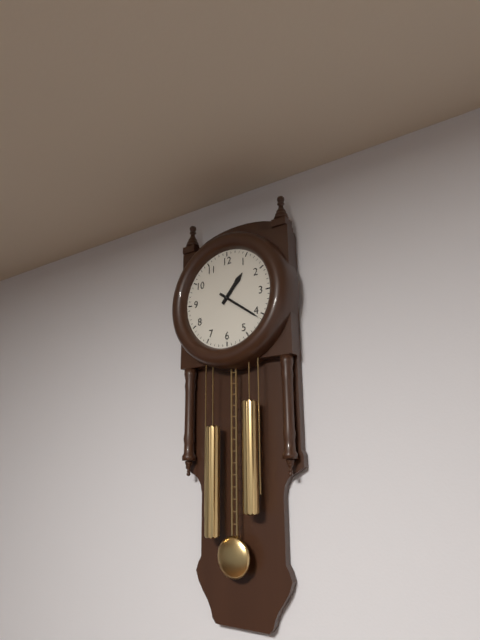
1:21
